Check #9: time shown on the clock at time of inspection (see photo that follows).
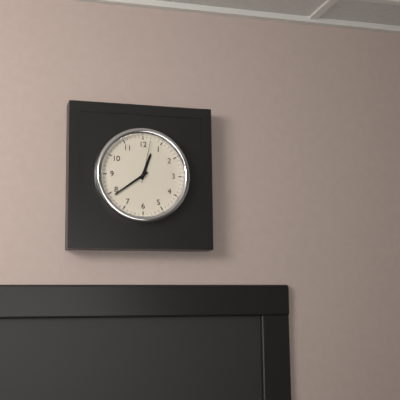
12:39
